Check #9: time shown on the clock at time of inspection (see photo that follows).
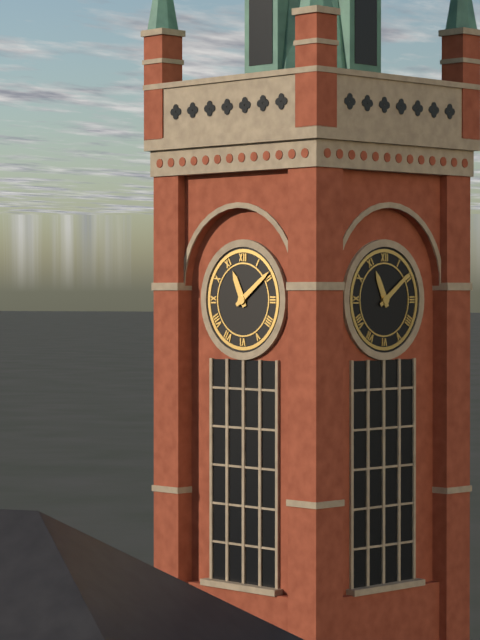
11:09
